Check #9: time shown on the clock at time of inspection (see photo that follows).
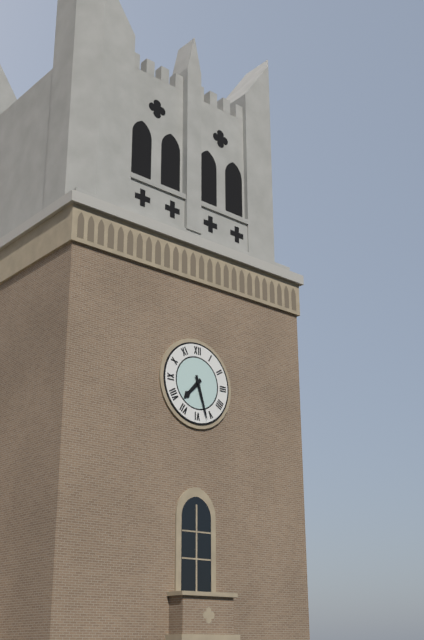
7:27
